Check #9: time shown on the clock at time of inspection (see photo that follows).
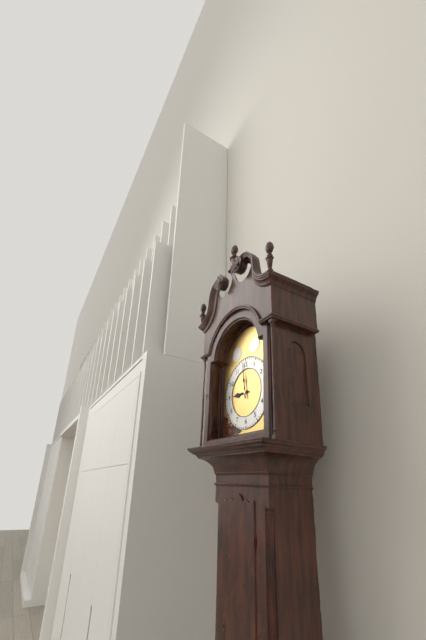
8:59
